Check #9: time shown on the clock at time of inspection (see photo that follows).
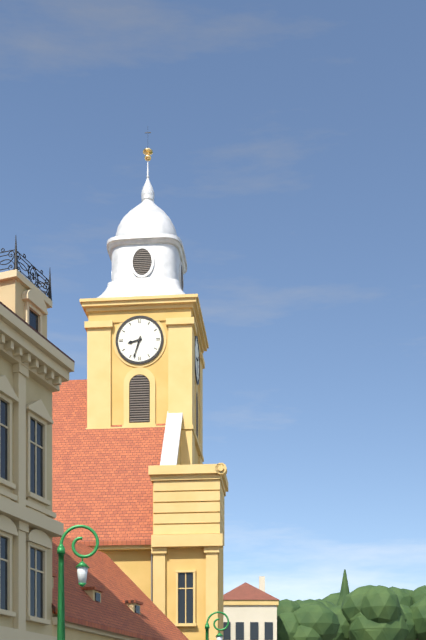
8:33
